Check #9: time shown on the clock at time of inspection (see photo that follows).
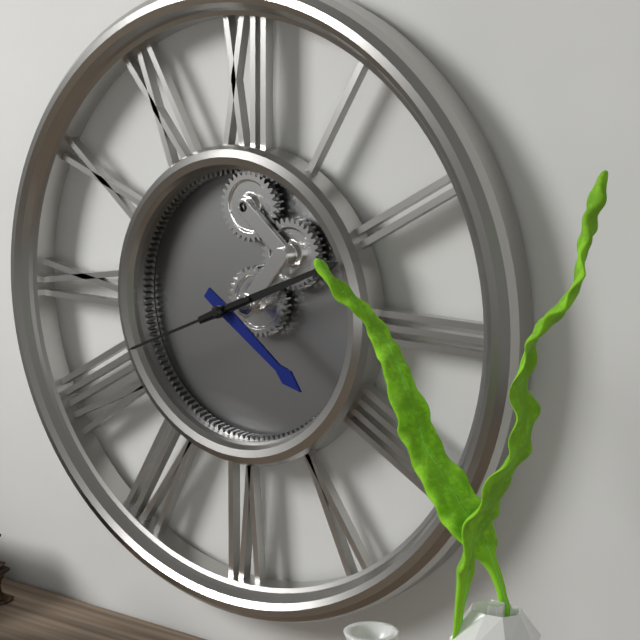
4:11:41
